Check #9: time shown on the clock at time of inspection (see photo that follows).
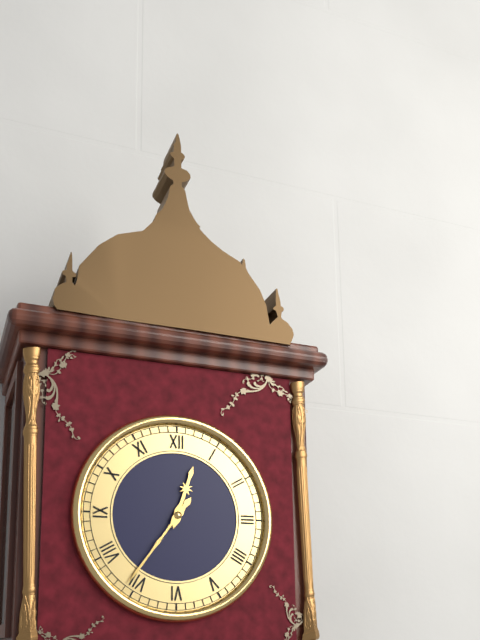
12:36
